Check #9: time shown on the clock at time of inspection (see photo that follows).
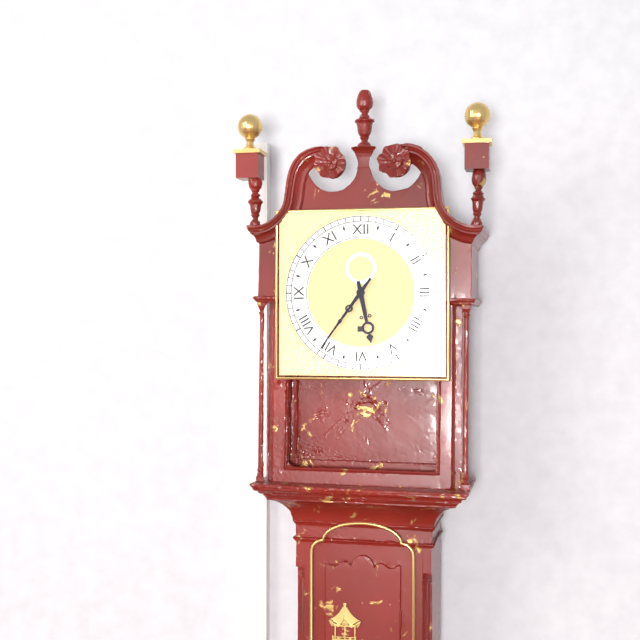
5:36
